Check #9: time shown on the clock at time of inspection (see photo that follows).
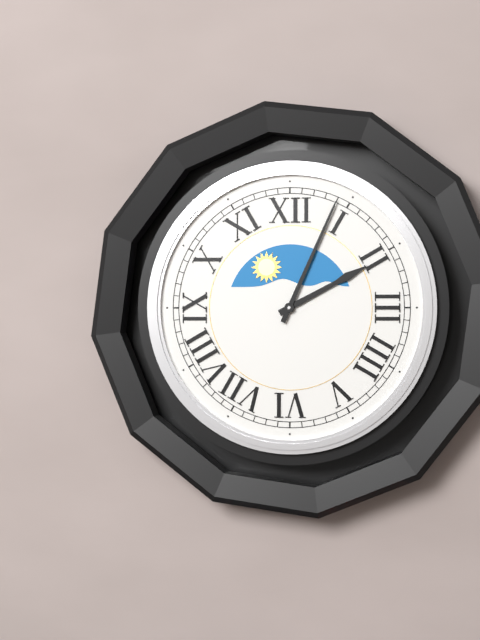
2:04
